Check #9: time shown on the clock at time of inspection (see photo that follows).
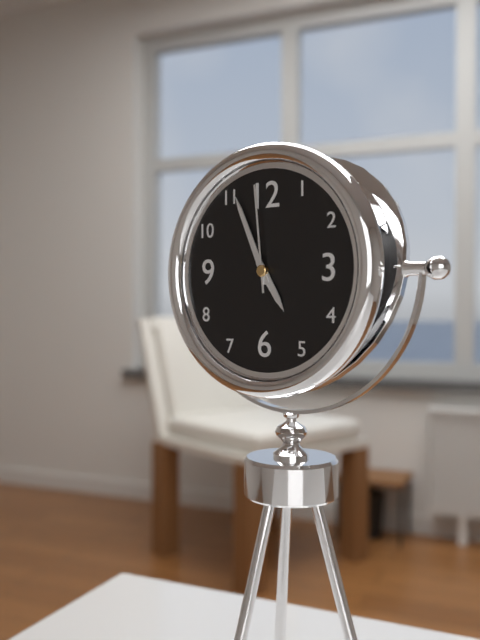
4:56:59
